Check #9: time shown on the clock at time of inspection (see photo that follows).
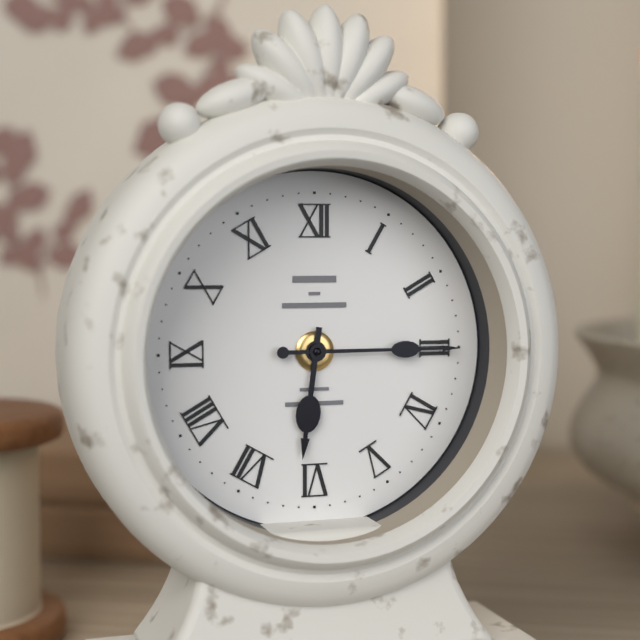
6:15
